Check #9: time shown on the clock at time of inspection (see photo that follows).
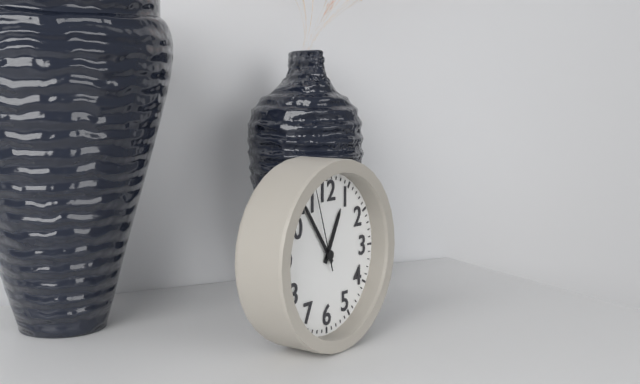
12:54:57
